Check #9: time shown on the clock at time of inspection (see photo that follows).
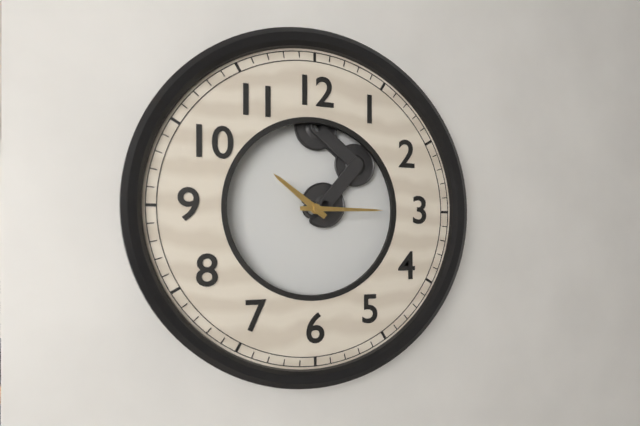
10:15
